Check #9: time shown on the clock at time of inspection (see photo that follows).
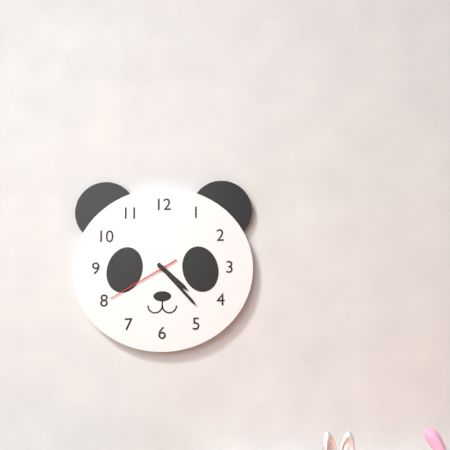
4:23:40
